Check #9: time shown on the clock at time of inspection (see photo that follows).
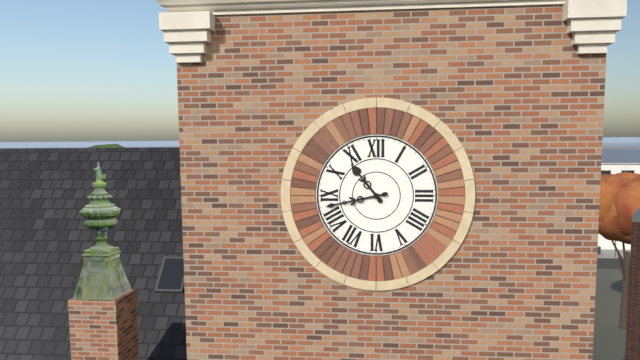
10:43
